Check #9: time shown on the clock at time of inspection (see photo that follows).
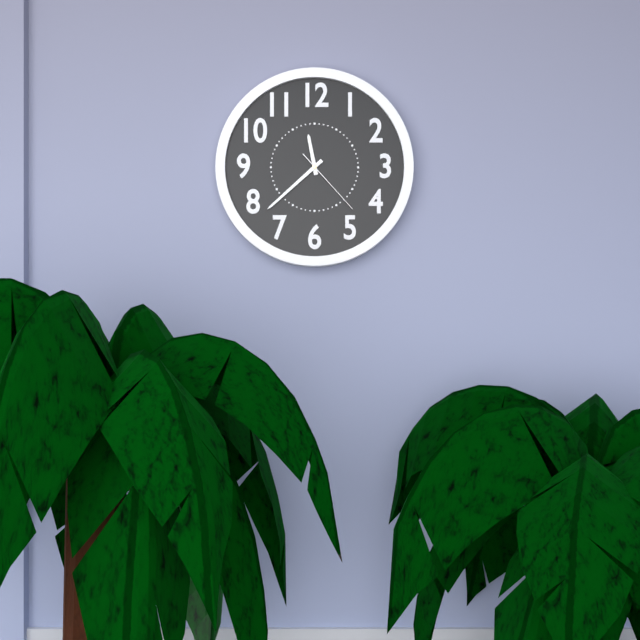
11:38:23
